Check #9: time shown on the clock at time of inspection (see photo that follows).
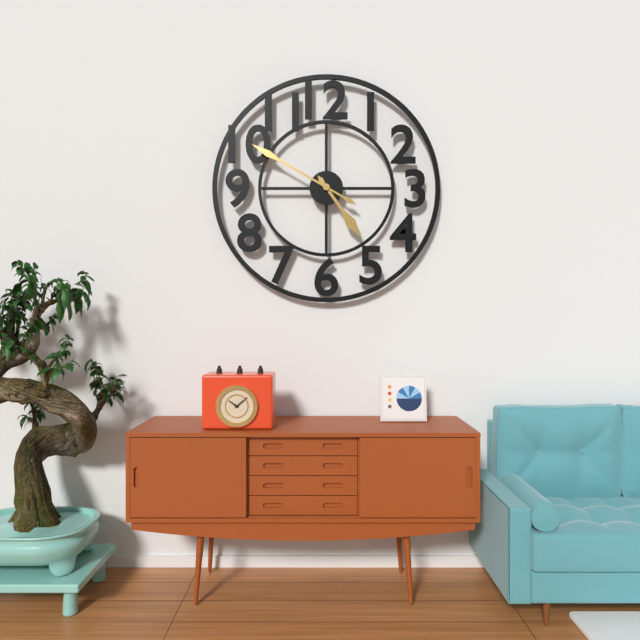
4:50
